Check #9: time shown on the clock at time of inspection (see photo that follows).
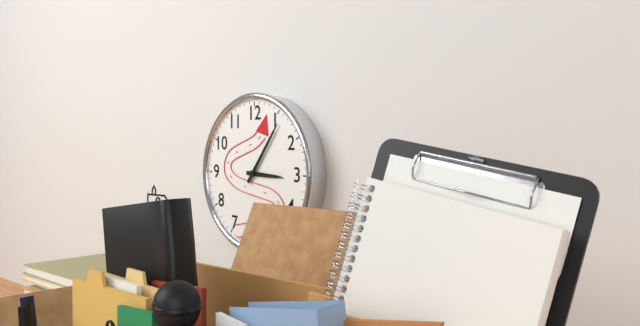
3:06
